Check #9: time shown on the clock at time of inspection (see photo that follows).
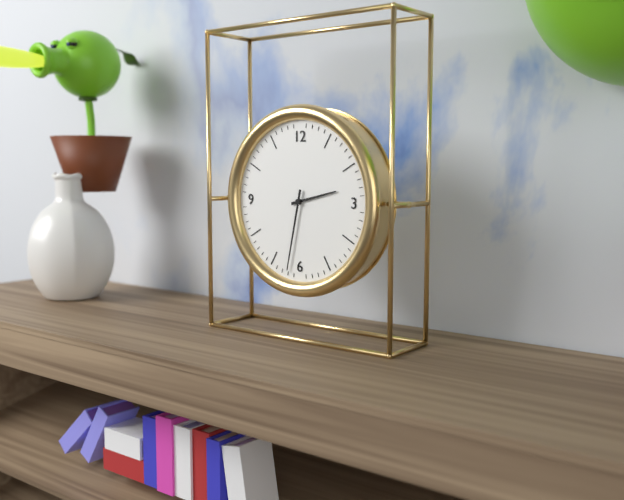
2:32
